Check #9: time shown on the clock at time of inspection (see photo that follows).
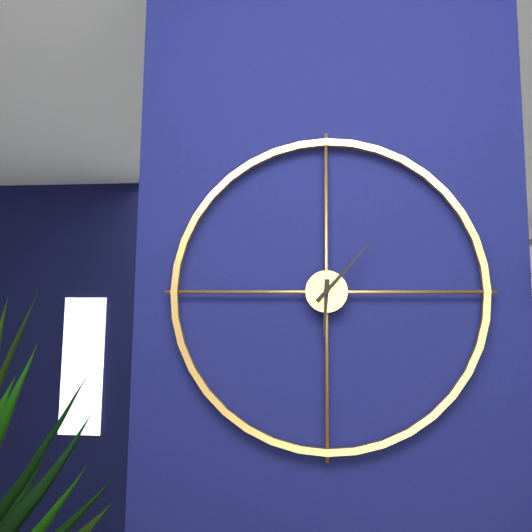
6:07
